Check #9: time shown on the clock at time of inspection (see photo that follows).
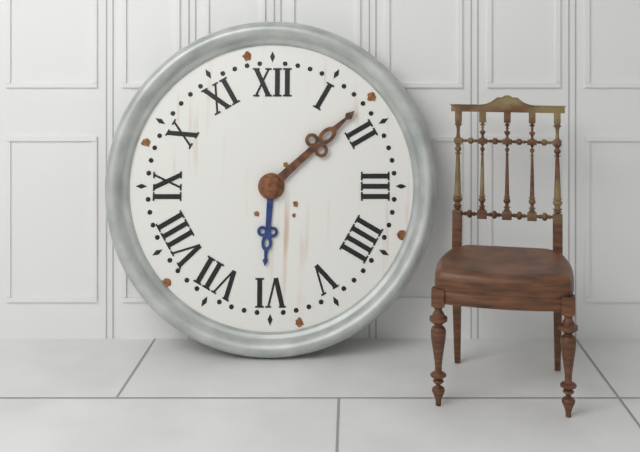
6:08
